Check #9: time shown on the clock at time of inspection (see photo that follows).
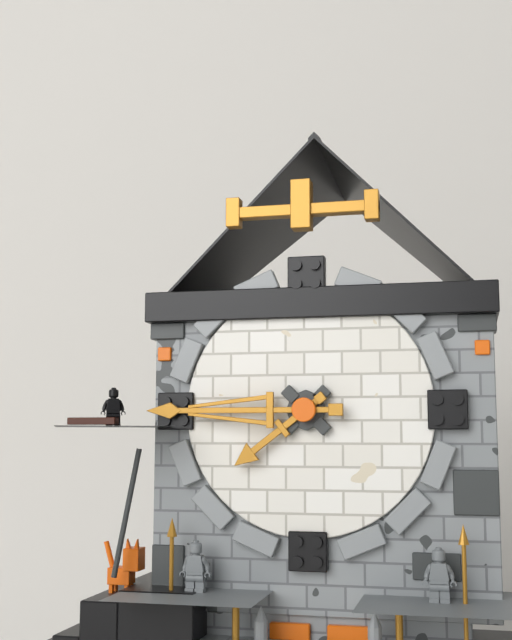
7:45
